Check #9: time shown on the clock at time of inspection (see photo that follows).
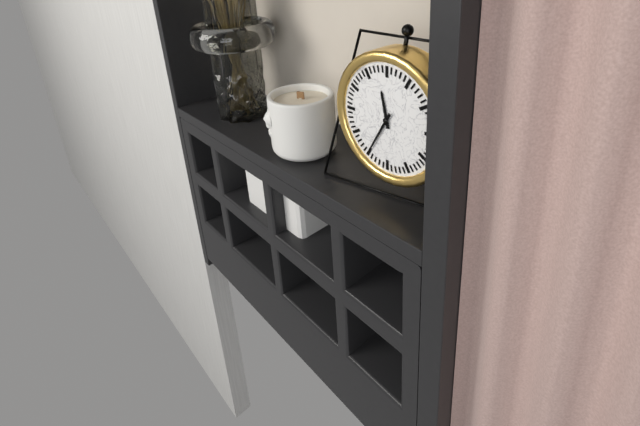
11:35
